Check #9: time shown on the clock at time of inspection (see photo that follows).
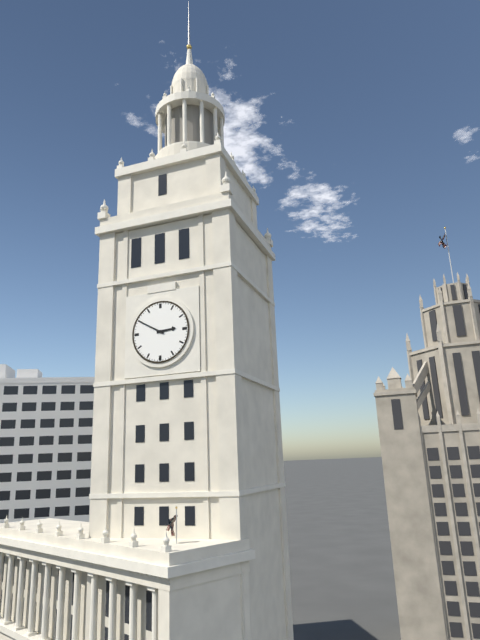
2:50
